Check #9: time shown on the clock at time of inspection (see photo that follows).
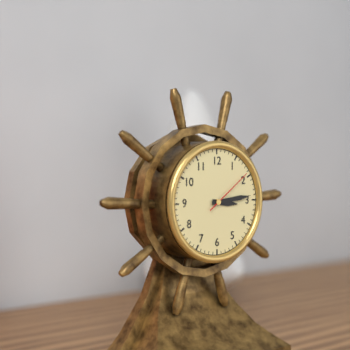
3:14:09
